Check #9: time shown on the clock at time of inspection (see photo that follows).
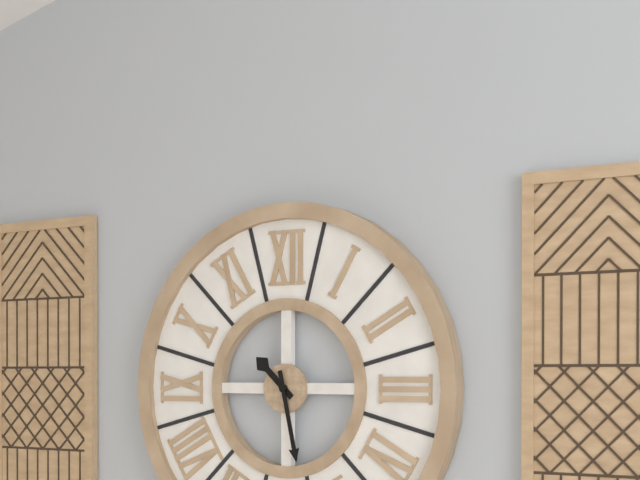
10:28
